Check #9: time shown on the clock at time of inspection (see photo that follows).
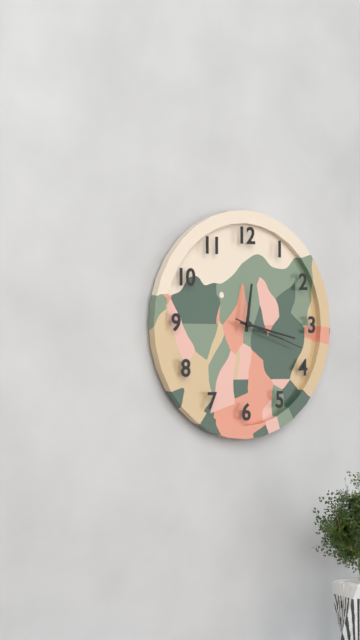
12:17:18
